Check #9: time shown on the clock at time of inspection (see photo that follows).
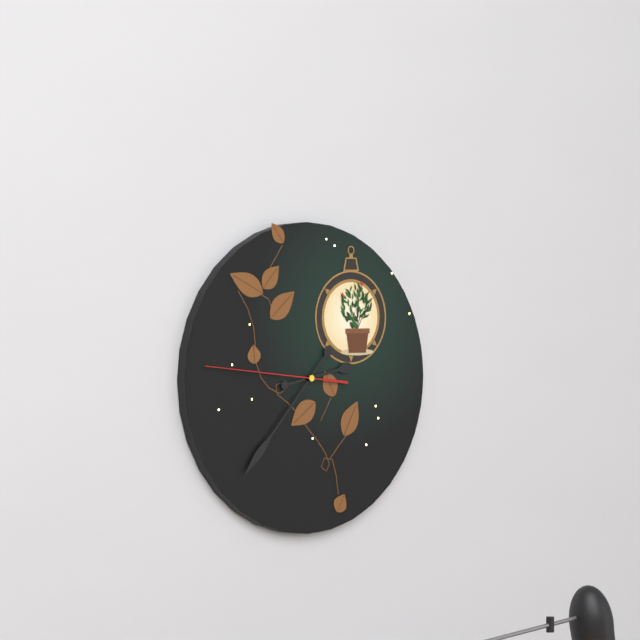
2:37:46
